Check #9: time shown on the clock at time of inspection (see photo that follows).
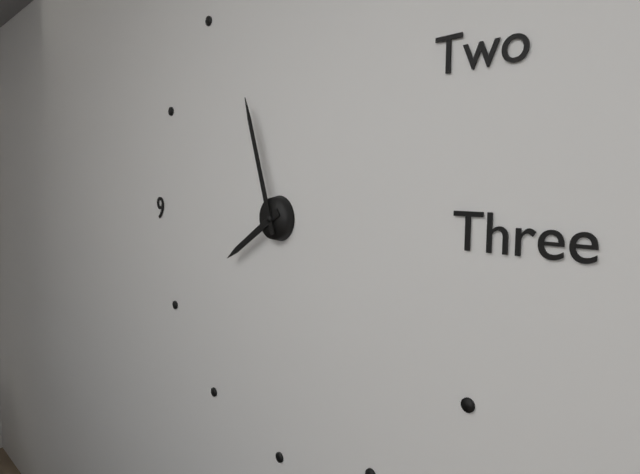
7:57
